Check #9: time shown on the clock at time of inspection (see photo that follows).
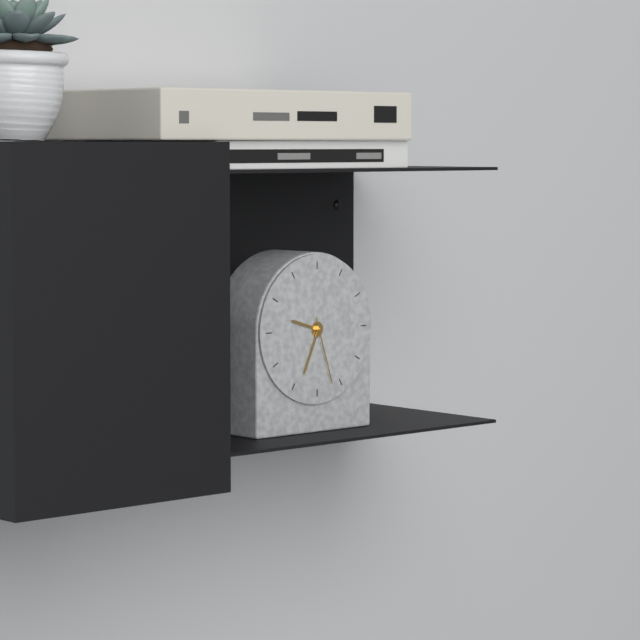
9:34:27
